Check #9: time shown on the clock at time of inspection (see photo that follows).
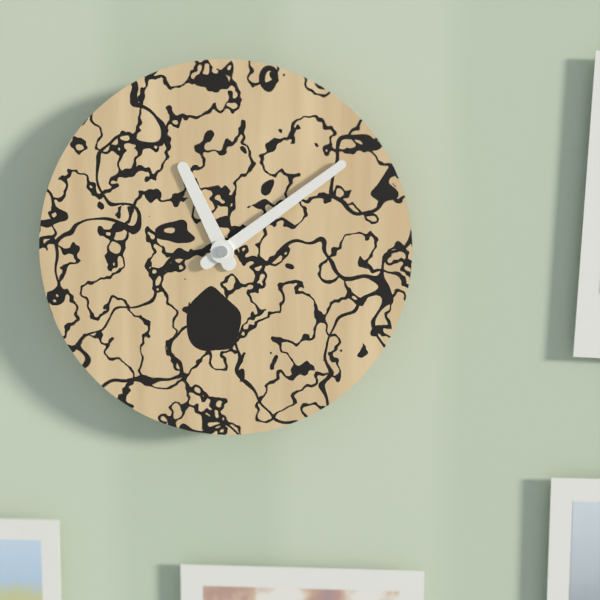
11:09
